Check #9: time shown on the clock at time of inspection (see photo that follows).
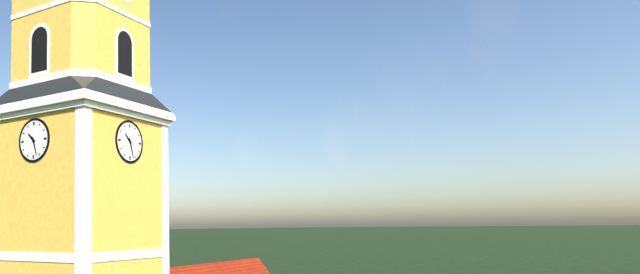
10:27
